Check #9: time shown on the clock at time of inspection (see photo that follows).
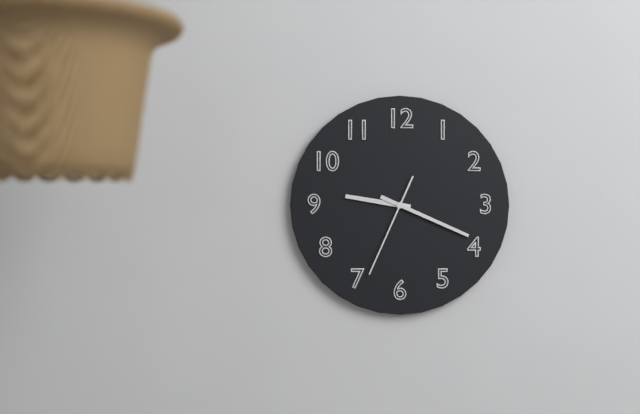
9:19:34
